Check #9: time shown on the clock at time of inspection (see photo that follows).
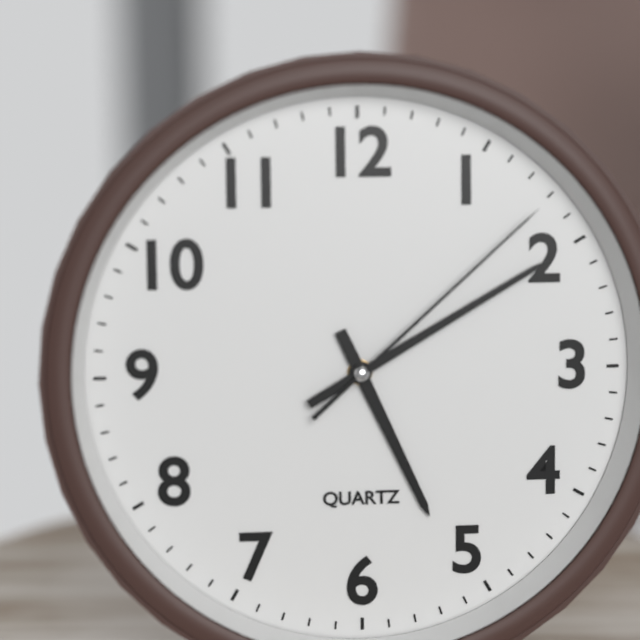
5:10:08
